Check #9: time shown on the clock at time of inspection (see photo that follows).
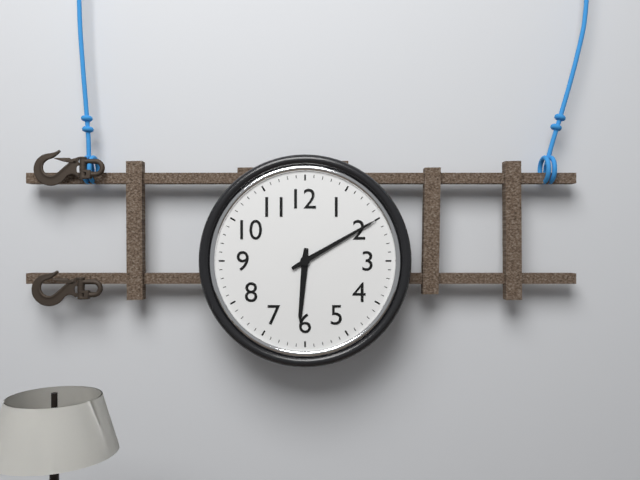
6:10
